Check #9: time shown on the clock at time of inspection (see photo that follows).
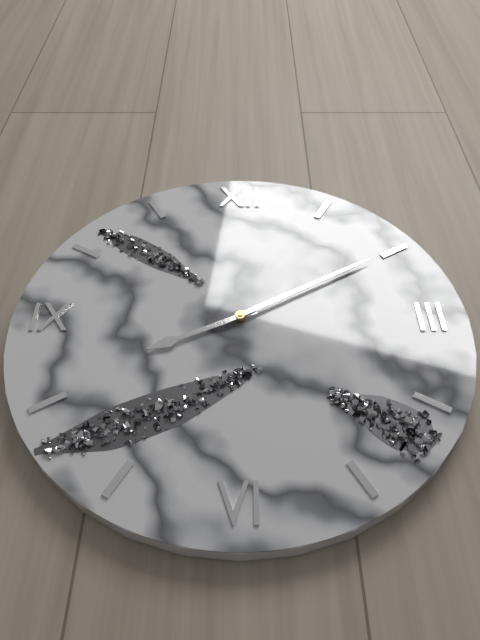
8:10
